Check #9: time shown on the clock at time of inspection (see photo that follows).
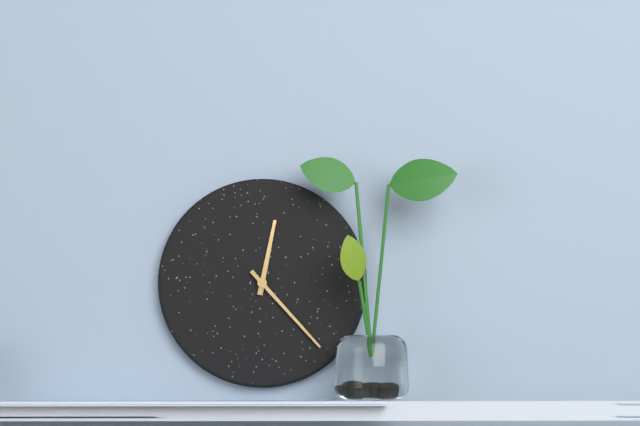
12:23
